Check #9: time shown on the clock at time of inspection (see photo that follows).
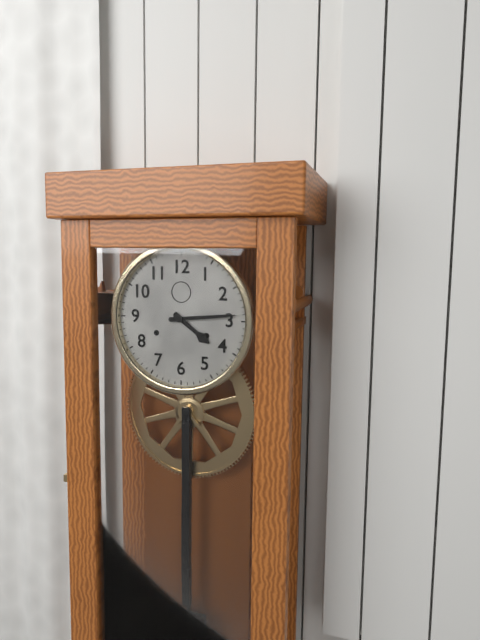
4:14
